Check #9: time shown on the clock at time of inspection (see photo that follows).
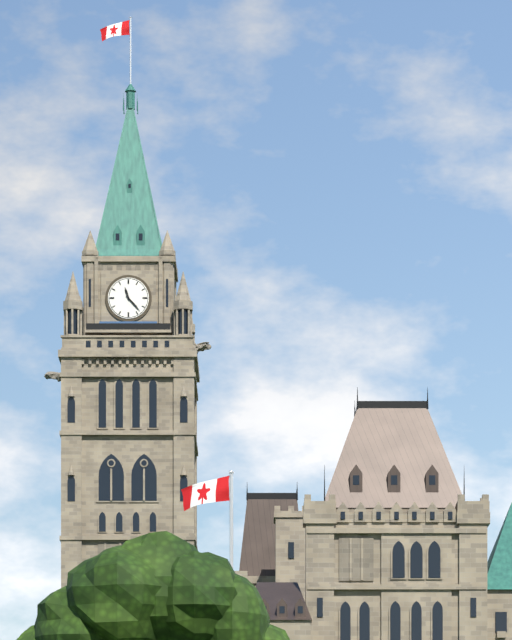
11:23
